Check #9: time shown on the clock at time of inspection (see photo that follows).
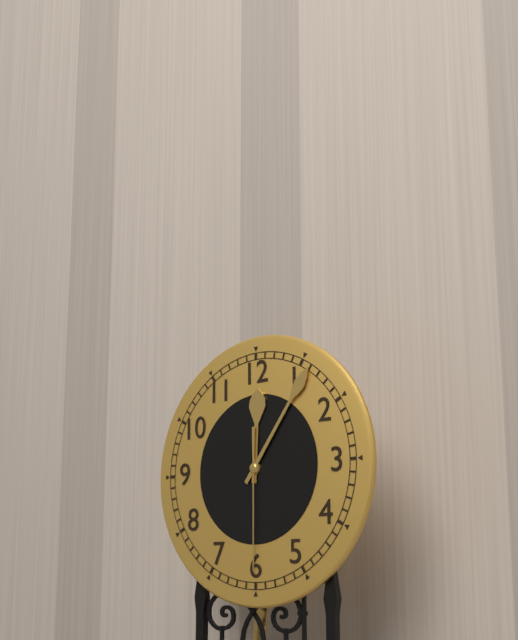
12:06:30
